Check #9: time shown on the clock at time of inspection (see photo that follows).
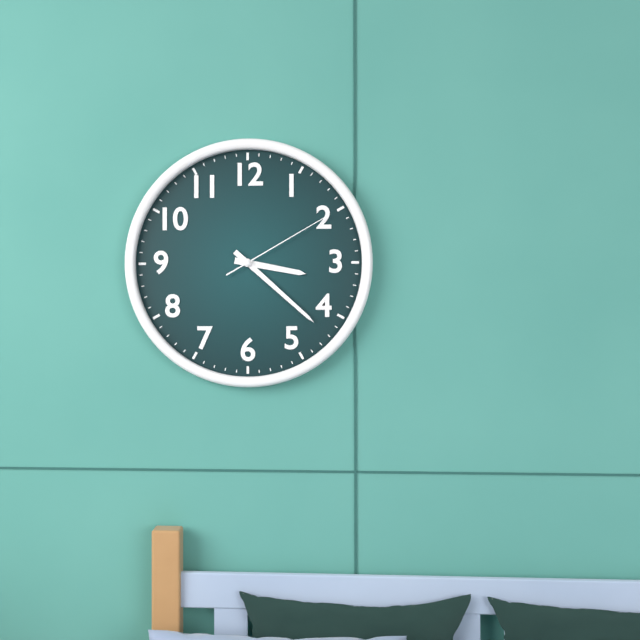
3:22:10
